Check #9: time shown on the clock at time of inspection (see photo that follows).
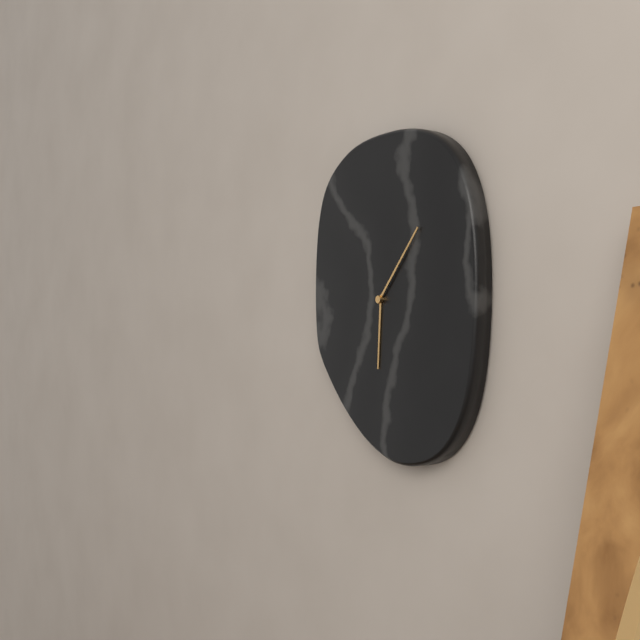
6:07
